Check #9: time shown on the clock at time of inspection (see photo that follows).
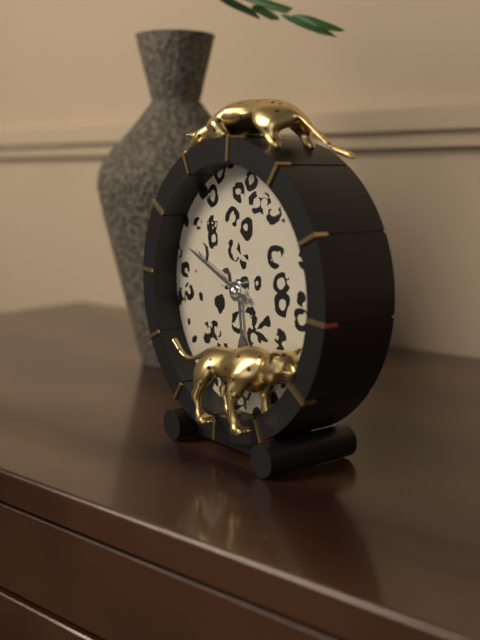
5:49
